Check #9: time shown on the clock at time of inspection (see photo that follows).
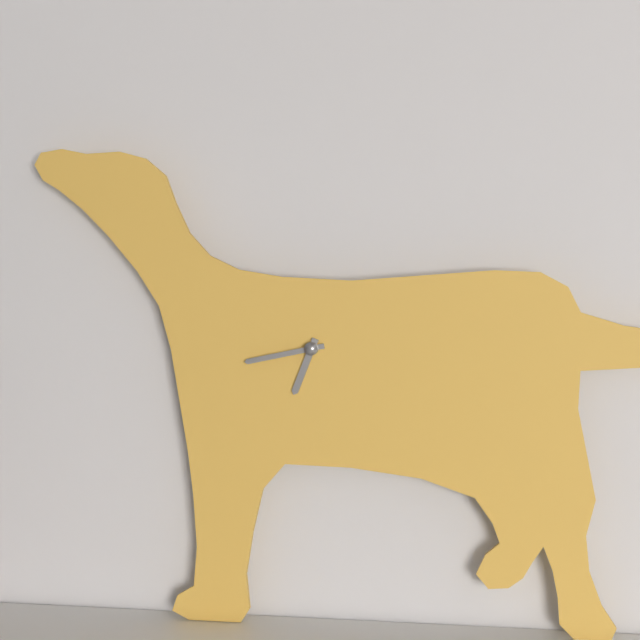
6:43
